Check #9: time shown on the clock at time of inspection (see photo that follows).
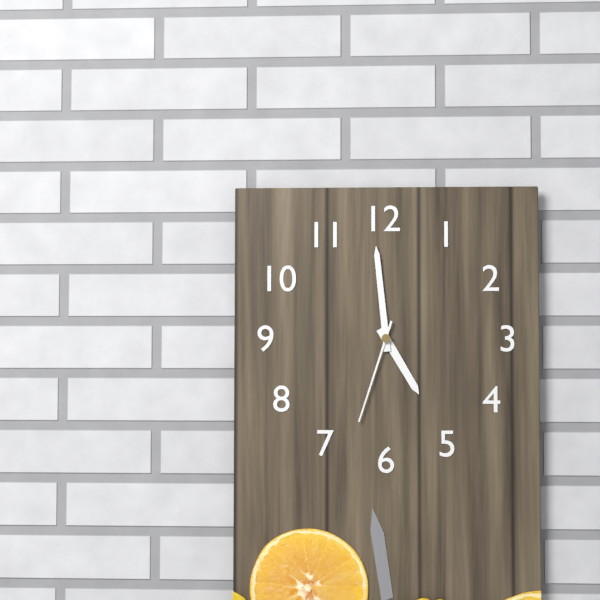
4:59:33
